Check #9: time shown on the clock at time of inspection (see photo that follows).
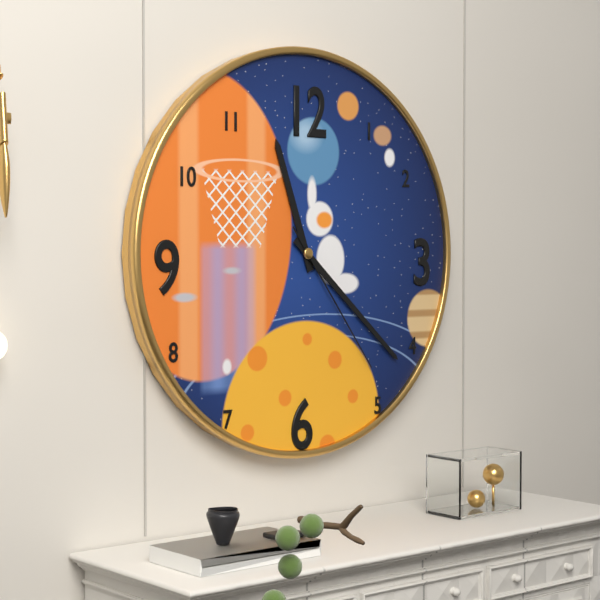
11:22:24
